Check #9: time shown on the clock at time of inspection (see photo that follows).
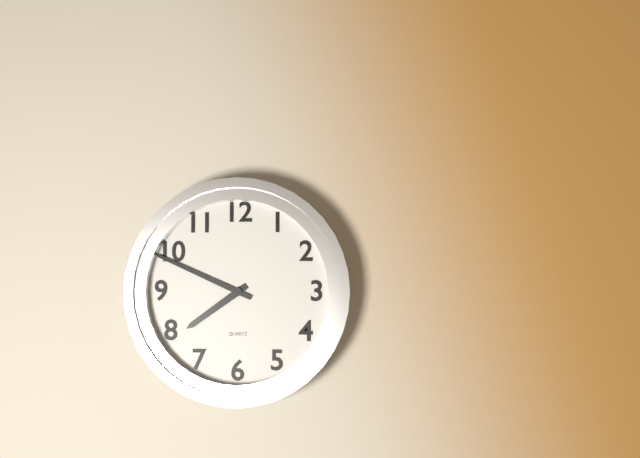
7:49
